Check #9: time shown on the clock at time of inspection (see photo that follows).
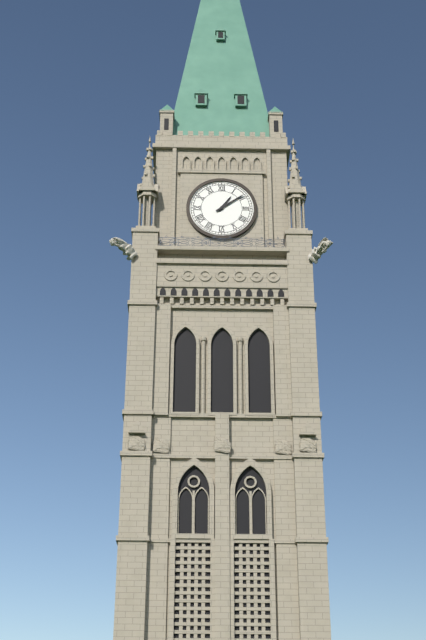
1:09
